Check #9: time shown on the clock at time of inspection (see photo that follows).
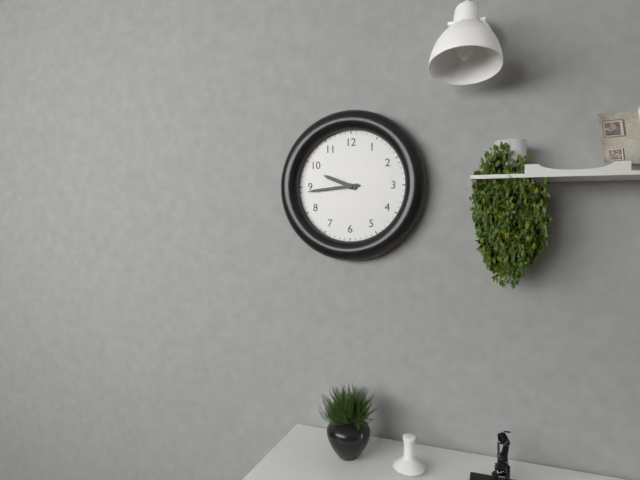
9:44
